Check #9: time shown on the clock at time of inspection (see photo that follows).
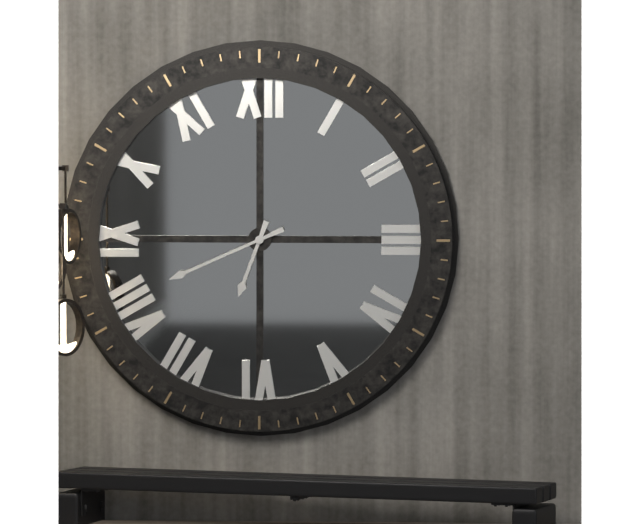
6:41
